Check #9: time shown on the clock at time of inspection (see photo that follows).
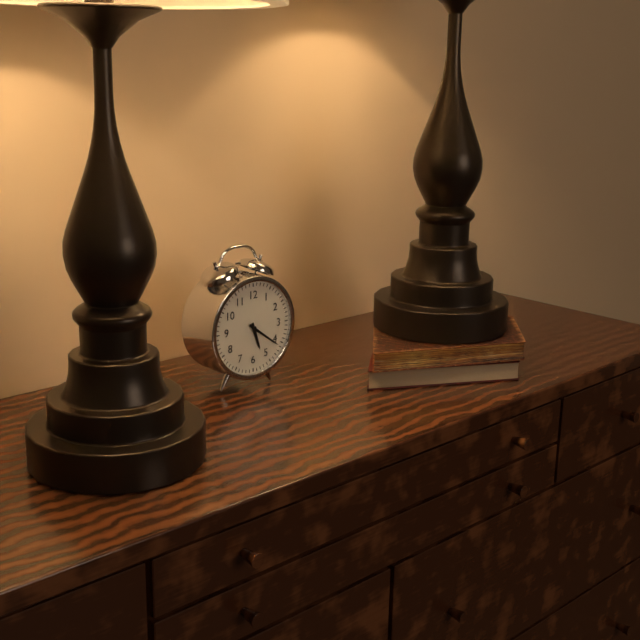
5:21
